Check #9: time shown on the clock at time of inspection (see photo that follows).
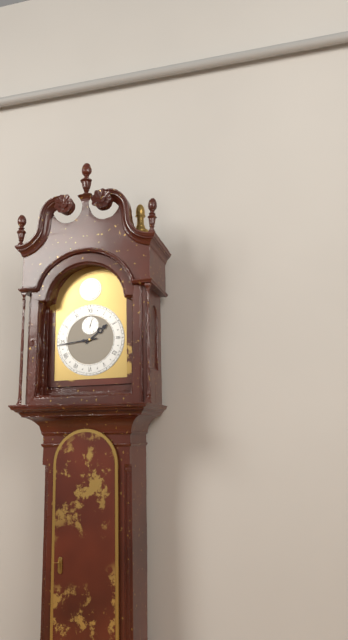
1:44
